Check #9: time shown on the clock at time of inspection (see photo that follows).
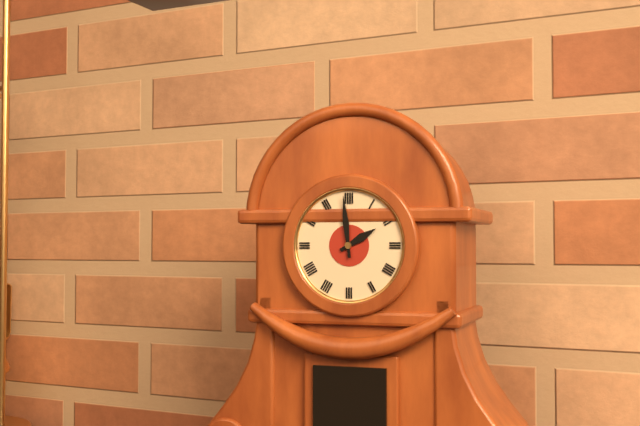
1:59
